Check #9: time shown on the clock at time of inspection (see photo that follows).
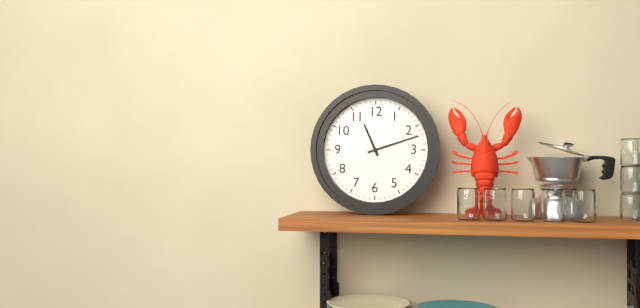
11:12
